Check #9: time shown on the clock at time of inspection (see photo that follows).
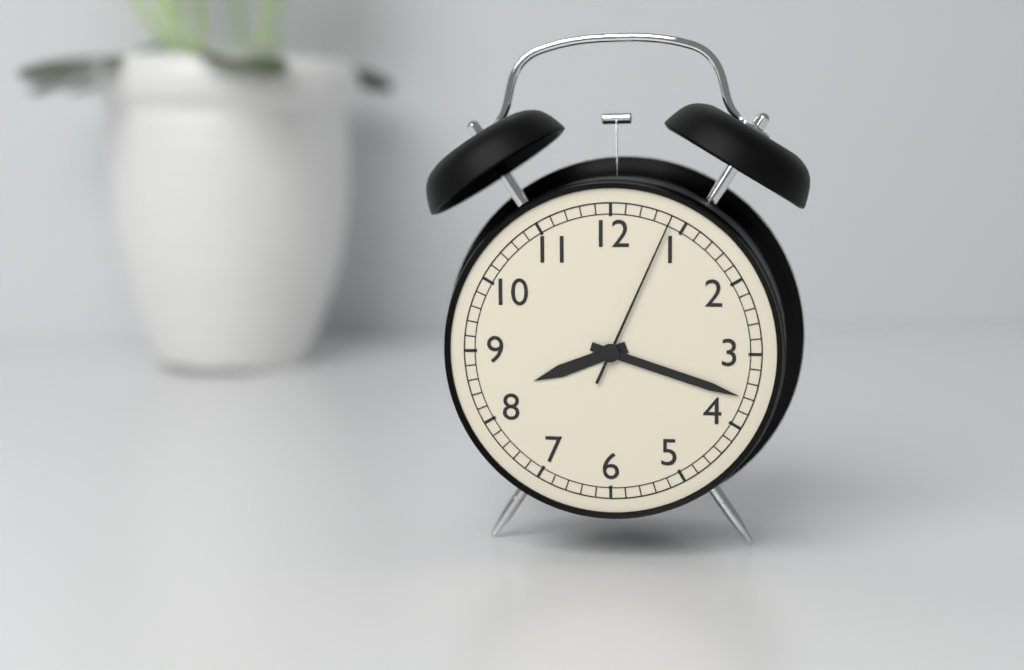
8:18:04
